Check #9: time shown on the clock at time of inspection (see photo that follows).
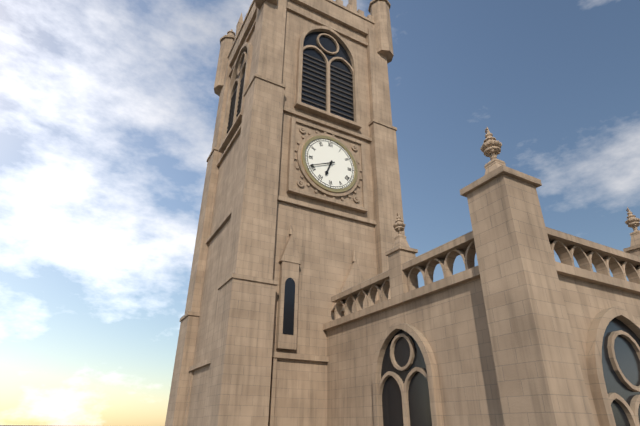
6:41
